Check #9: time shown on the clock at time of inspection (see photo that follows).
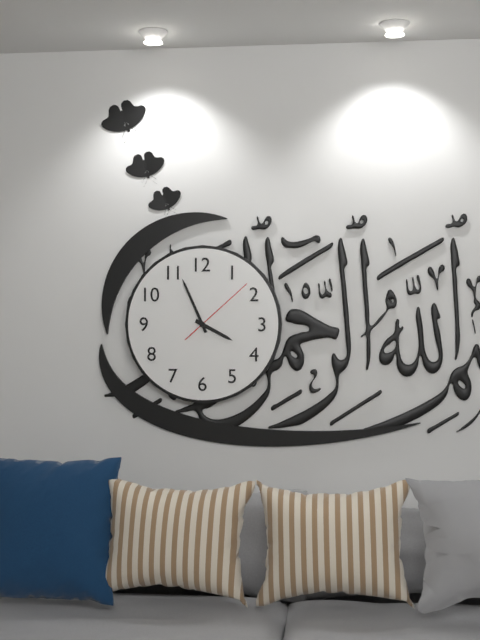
3:56:08
